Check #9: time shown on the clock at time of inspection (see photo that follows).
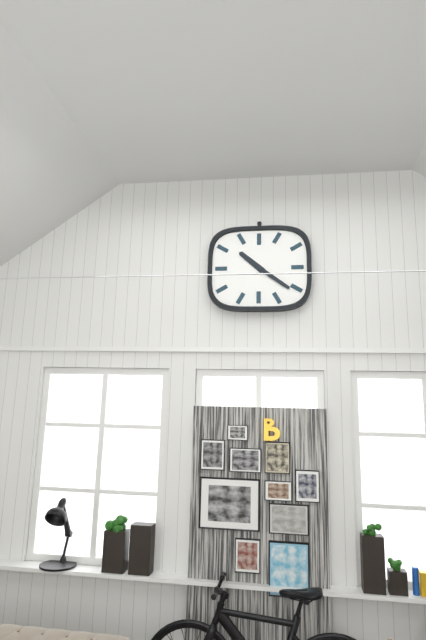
10:21
